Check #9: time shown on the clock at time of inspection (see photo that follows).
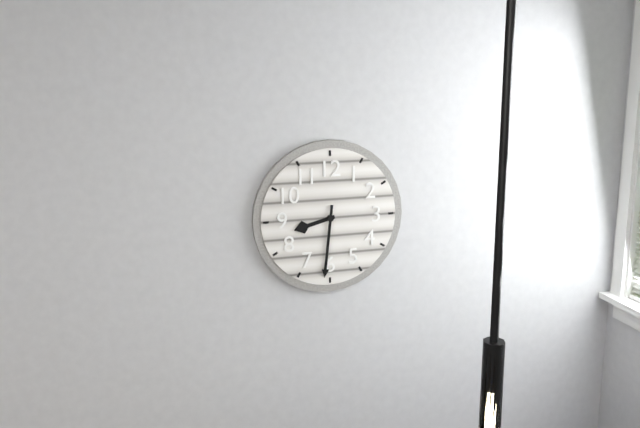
8:31
